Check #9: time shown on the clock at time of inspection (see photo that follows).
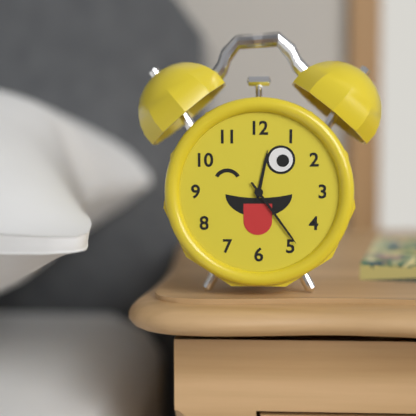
12:24
